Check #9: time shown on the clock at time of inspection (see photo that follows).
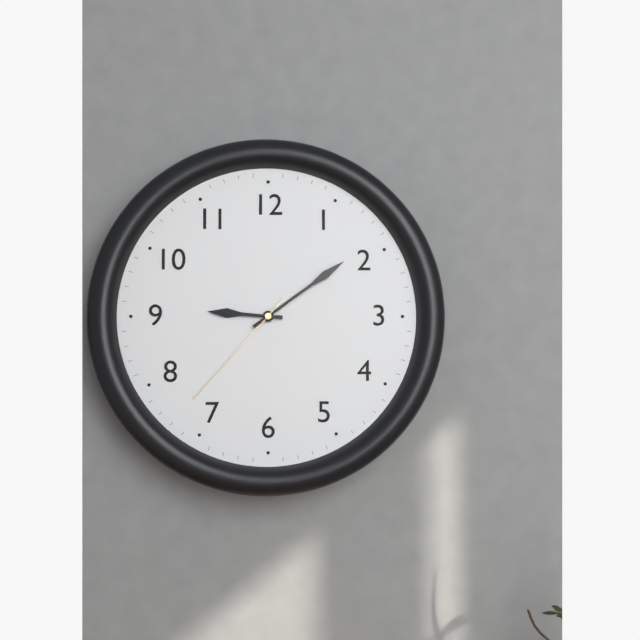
9:09:37
